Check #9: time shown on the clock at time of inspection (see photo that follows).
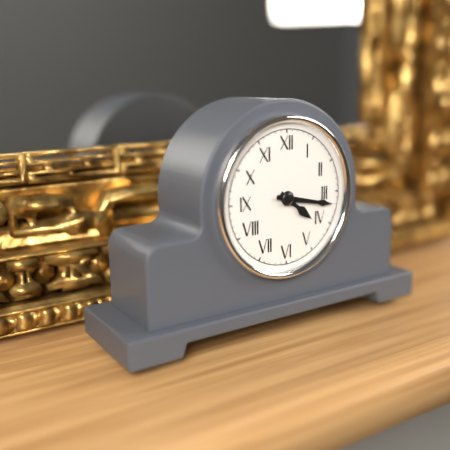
4:17
